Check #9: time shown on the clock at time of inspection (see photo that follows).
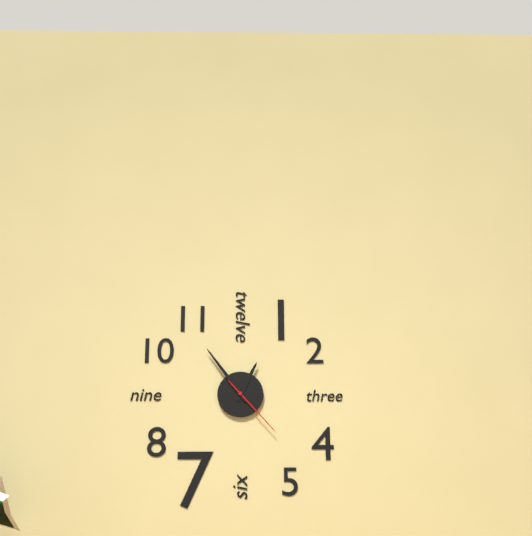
12:54:23
